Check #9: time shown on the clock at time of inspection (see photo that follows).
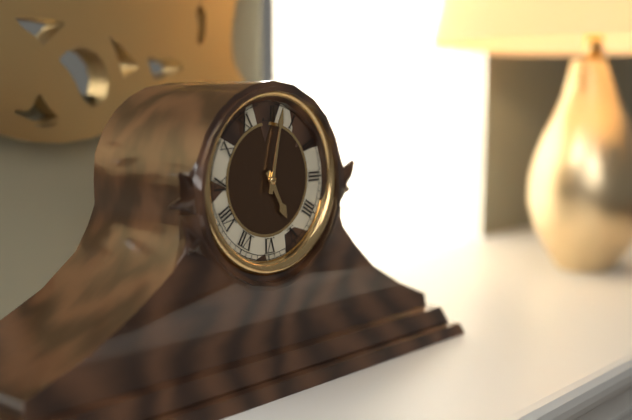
5:02
